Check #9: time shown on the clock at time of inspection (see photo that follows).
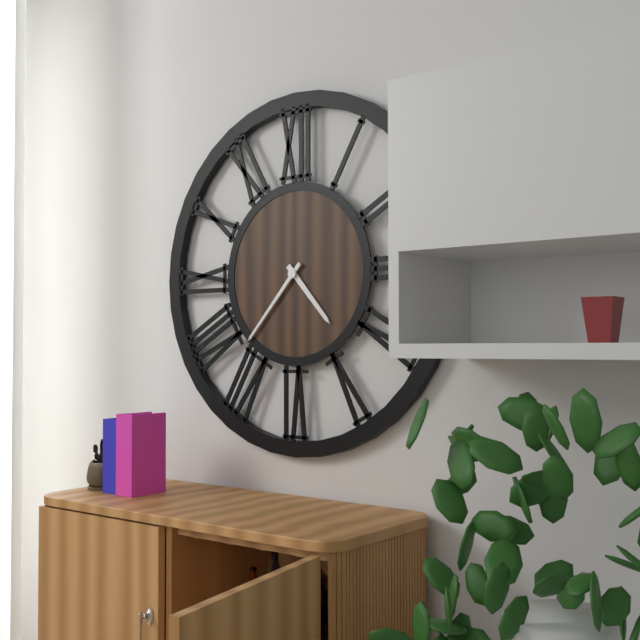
4:37
